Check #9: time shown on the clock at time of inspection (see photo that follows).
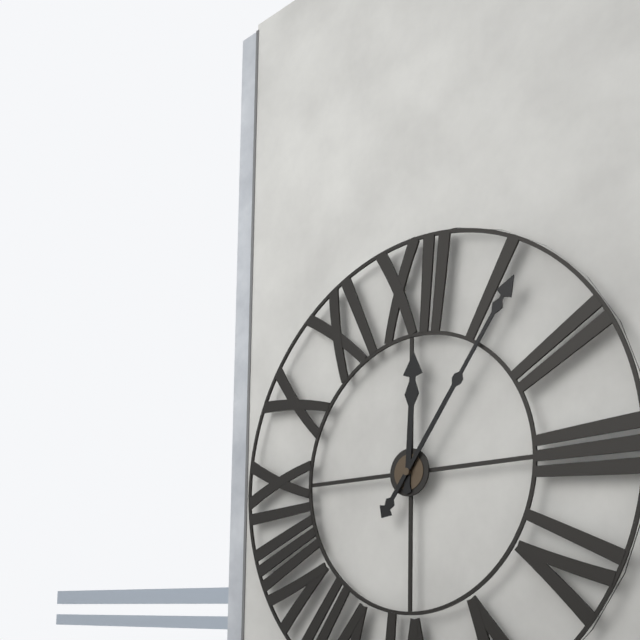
12:06
